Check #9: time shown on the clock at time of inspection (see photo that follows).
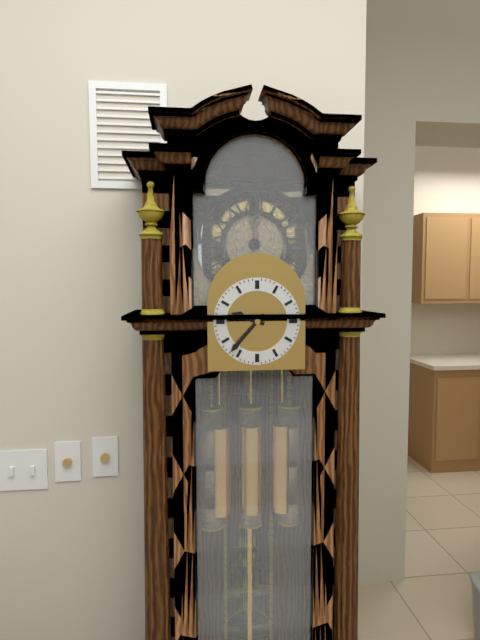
9:37
